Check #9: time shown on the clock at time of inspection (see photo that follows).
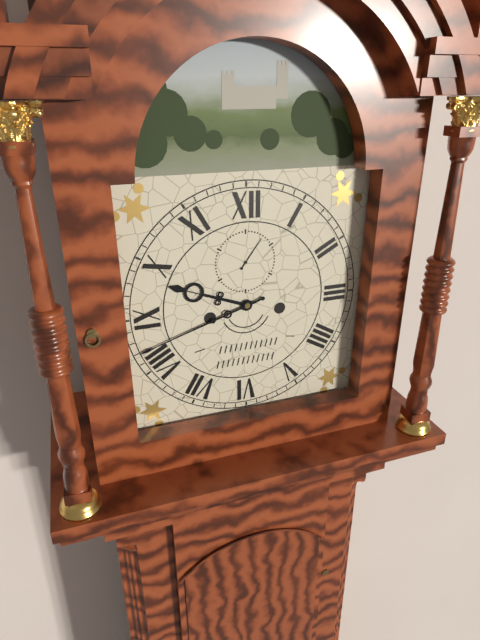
9:42
